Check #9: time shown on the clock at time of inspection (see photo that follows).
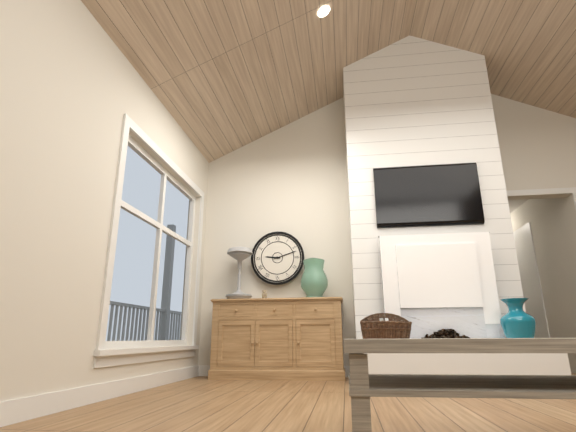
9:12
